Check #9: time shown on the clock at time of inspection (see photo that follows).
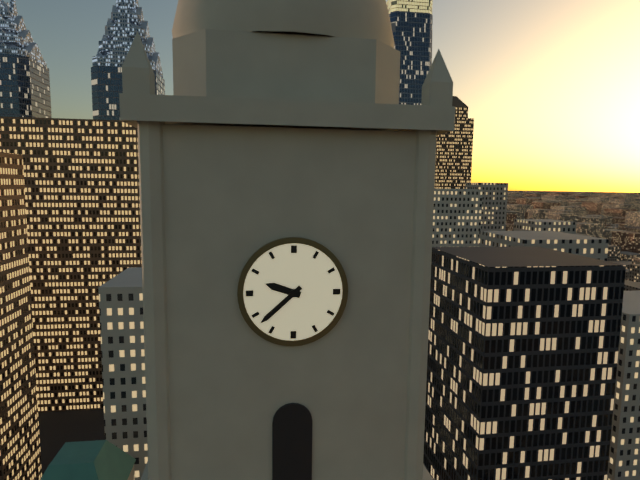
9:38
